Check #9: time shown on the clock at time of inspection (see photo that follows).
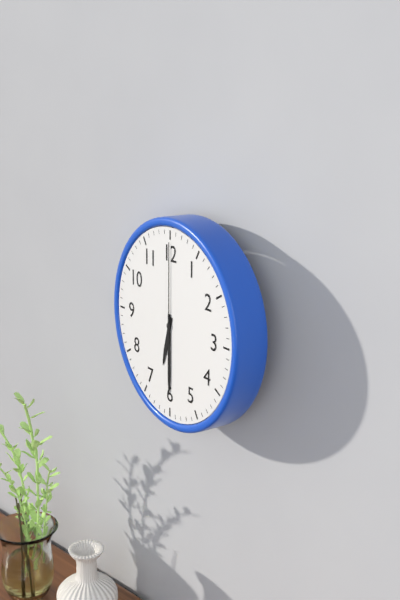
6:30:00
